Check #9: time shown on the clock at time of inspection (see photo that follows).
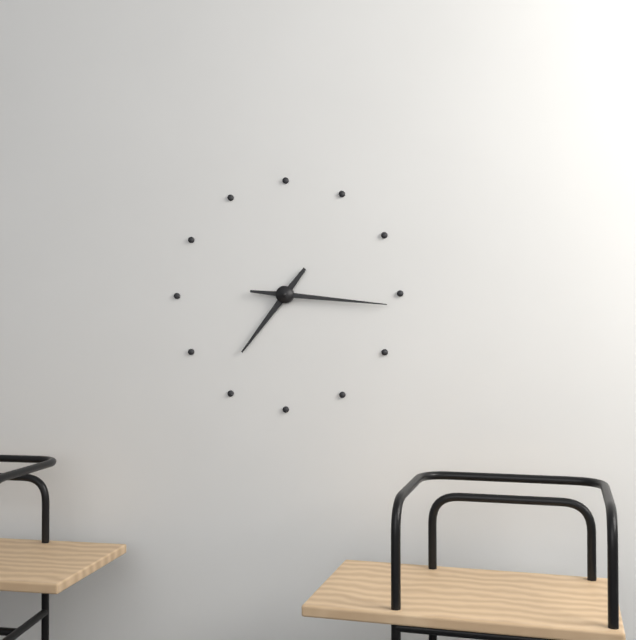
7:16
